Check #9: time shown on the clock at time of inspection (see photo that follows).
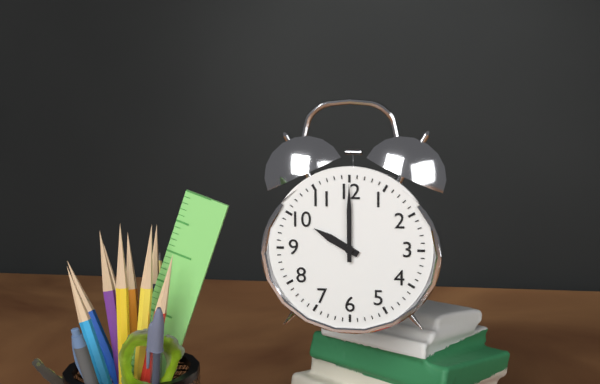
10:00
